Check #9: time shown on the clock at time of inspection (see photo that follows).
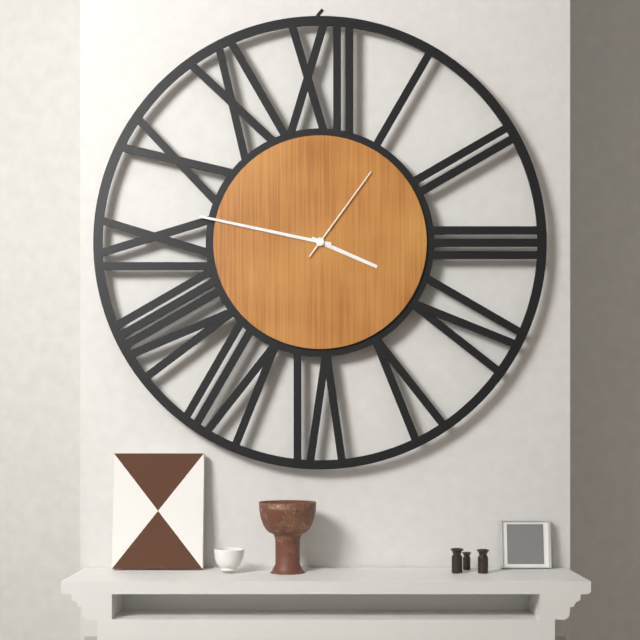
3:47:06
